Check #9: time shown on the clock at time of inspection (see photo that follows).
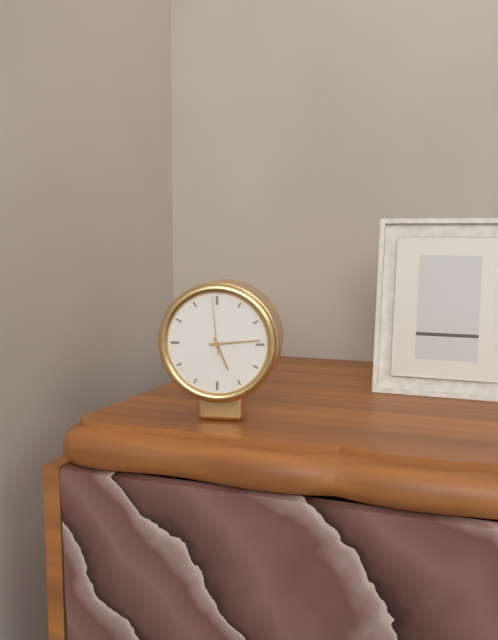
5:14:59
